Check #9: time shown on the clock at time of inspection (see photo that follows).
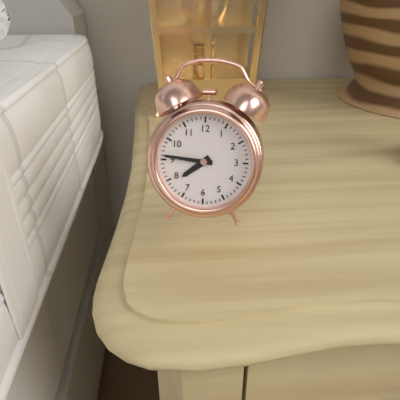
7:46
